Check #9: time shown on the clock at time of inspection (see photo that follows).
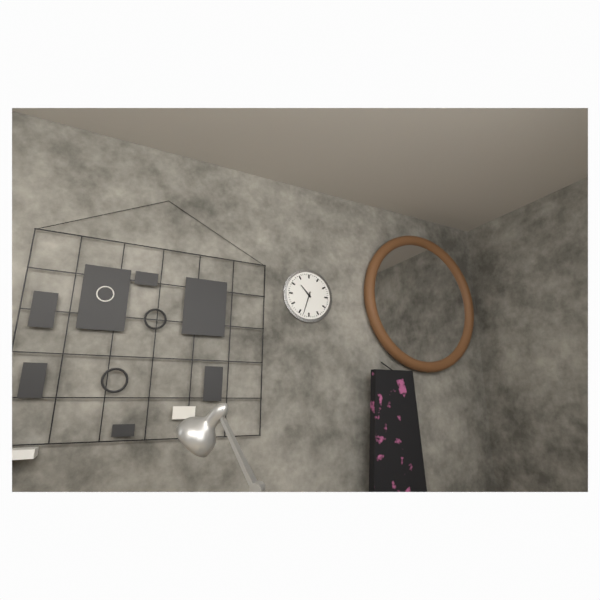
10:33
